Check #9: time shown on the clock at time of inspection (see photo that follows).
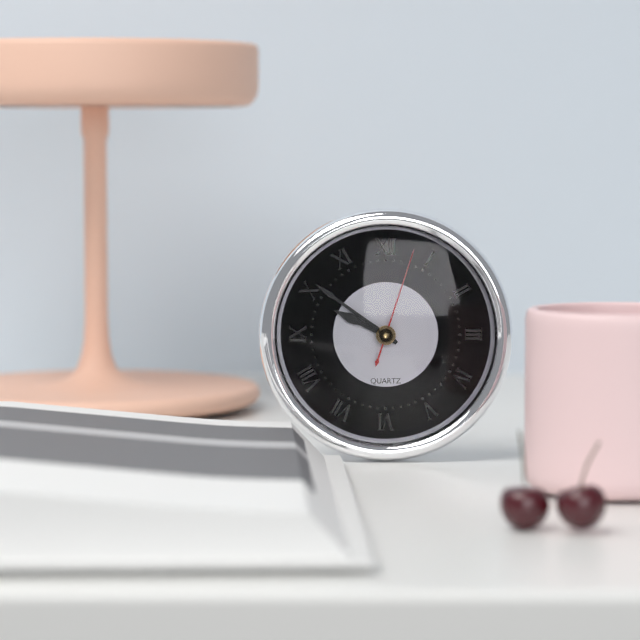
9:51:03
